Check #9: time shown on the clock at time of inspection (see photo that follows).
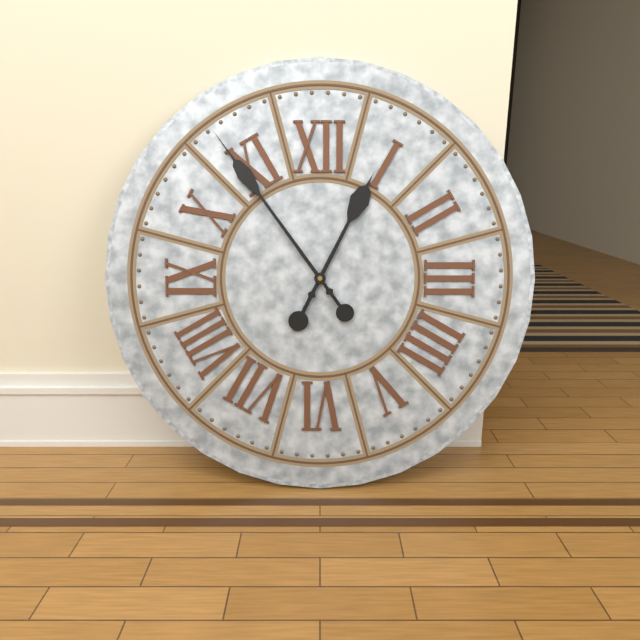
12:54
